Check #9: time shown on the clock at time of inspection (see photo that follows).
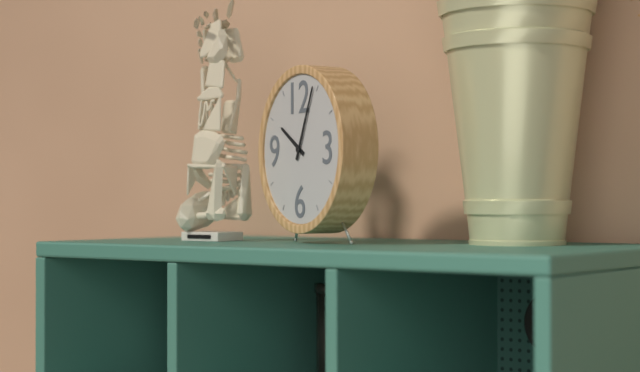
10:04
